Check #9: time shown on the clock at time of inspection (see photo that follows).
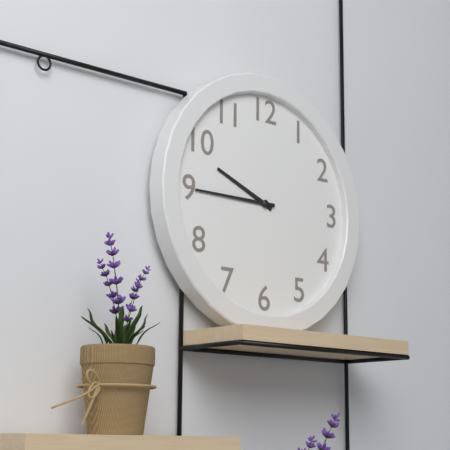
9:45
